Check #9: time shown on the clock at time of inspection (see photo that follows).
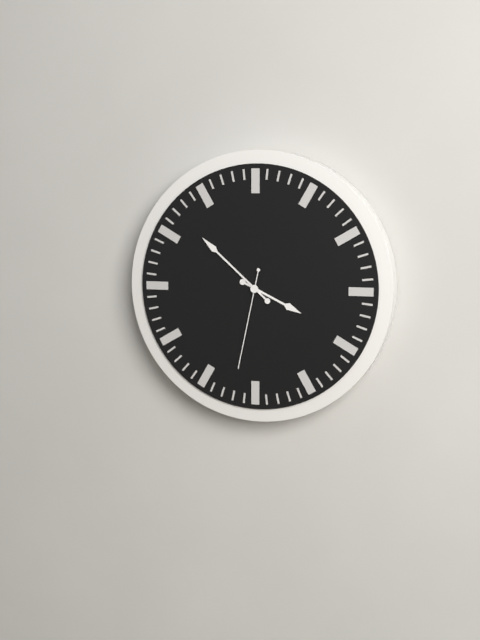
3:52:32
